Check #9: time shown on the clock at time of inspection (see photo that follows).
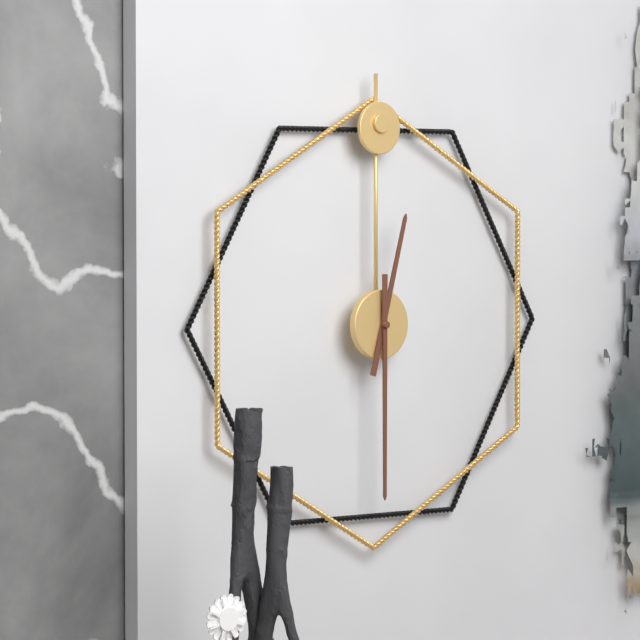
12:30
